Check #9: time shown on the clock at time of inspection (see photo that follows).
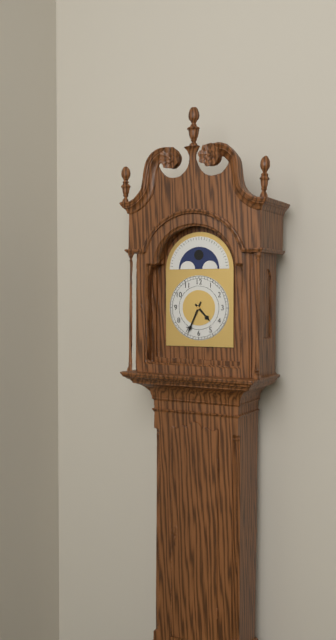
4:34
